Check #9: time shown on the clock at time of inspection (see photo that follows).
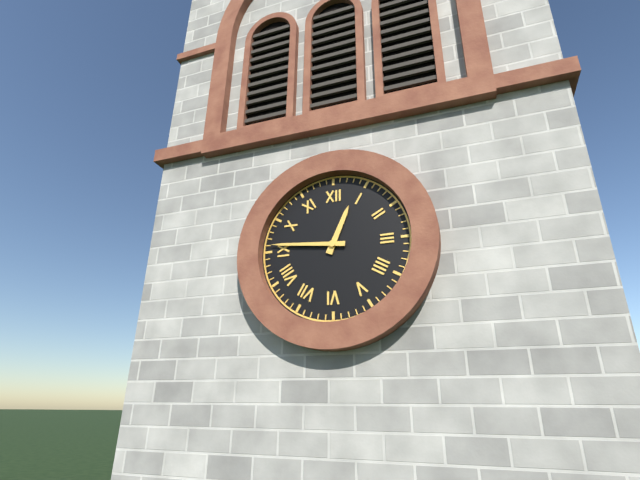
12:46
